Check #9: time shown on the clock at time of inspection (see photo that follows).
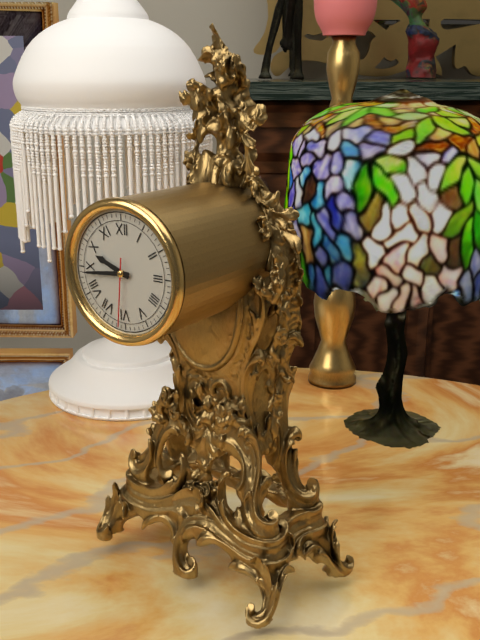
9:44:31
